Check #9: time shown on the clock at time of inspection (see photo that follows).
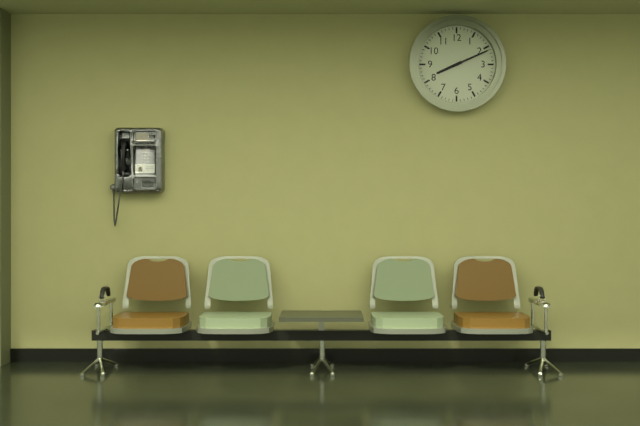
8:11
